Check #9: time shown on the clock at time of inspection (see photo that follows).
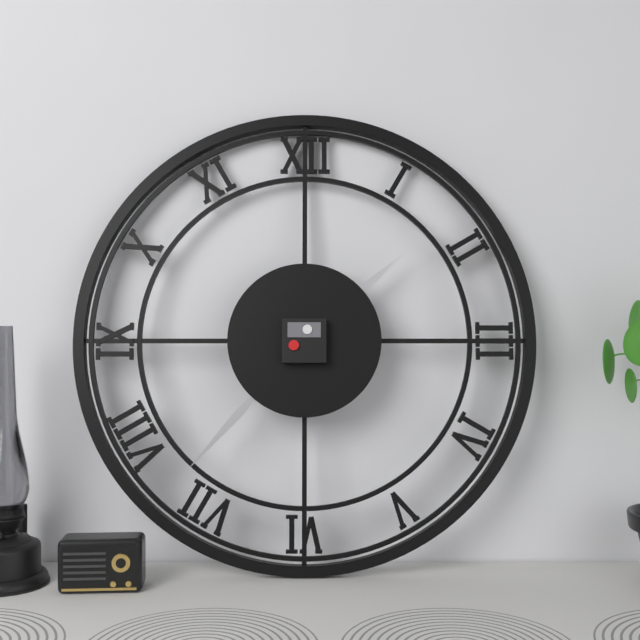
1:37
